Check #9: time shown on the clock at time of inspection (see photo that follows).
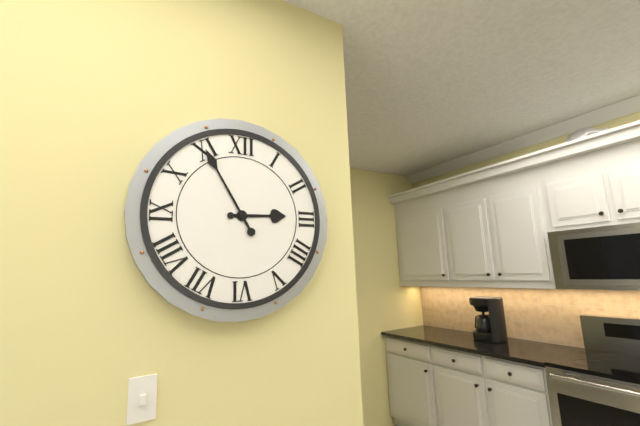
2:55
